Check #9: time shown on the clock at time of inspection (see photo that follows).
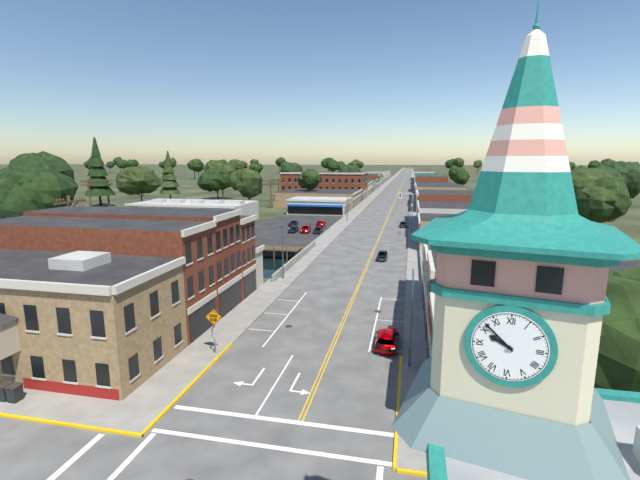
9:52
